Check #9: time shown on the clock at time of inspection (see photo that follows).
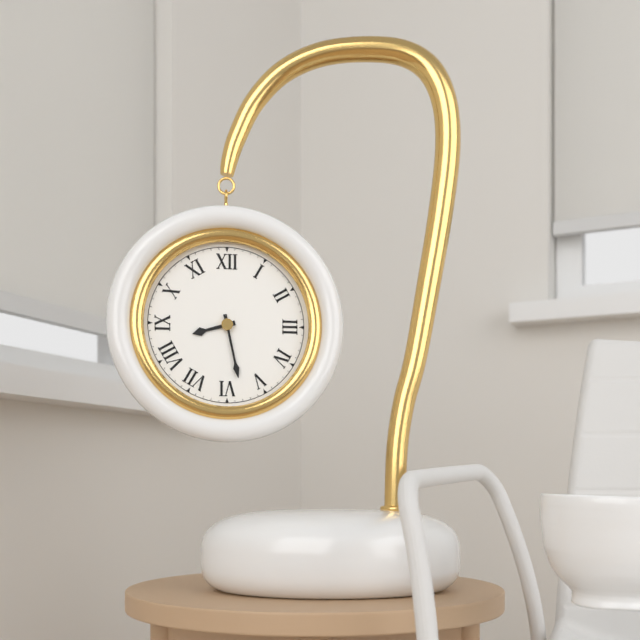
8:28
